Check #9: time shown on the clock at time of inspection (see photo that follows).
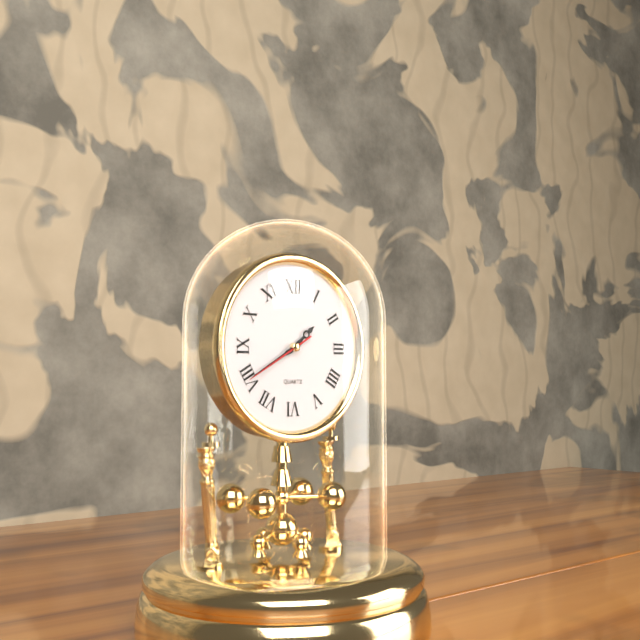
1:40:40
